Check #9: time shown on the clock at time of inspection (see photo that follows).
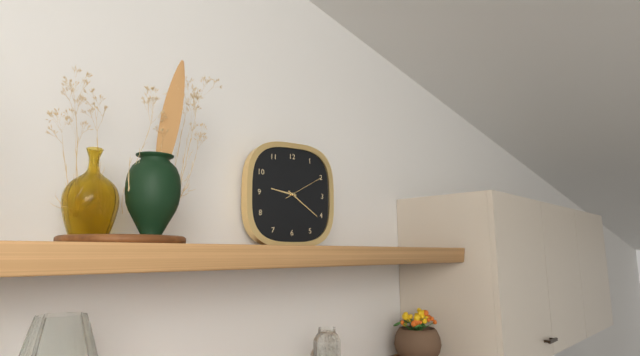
9:21
